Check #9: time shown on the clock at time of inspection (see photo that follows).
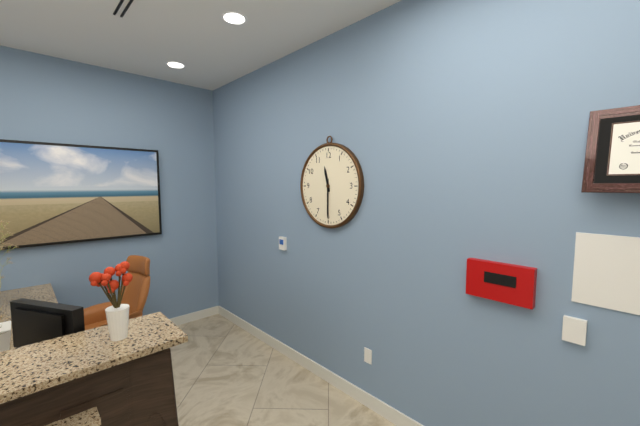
11:30
